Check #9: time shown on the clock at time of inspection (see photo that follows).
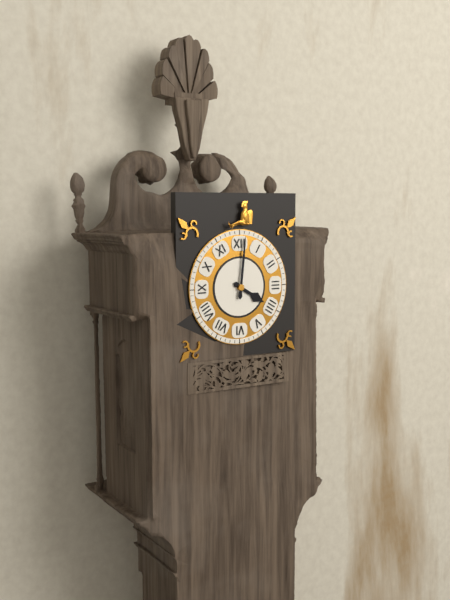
4:01
